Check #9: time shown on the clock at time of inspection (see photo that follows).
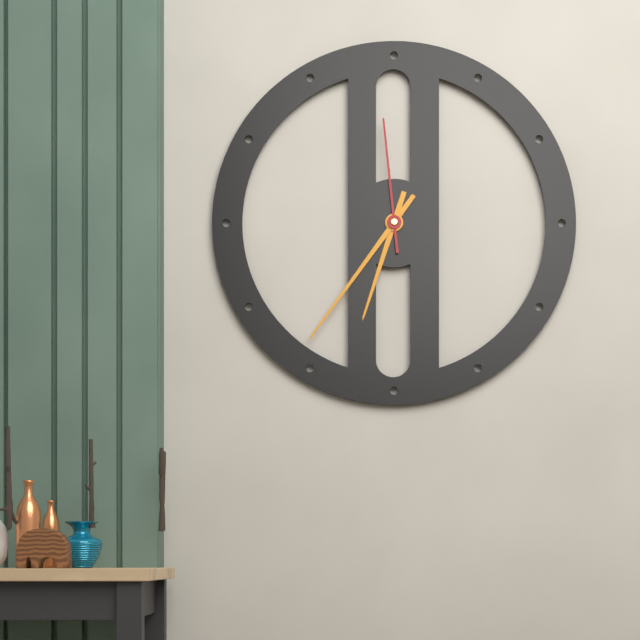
6:36:59
